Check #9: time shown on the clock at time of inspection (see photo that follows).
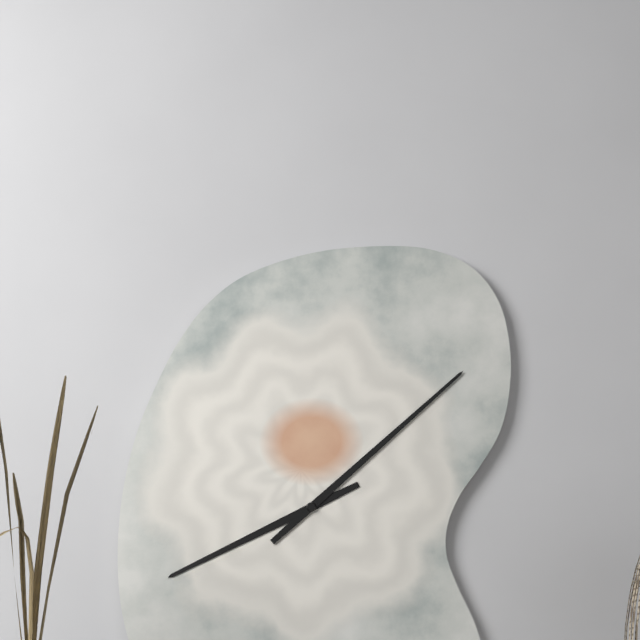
8:08
